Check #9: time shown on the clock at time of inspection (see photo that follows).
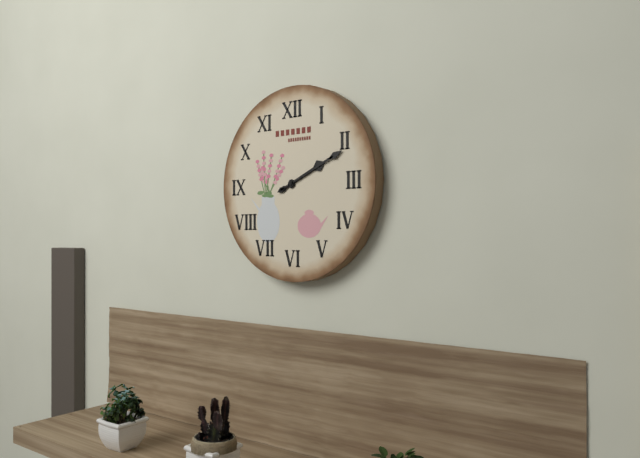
2:11
